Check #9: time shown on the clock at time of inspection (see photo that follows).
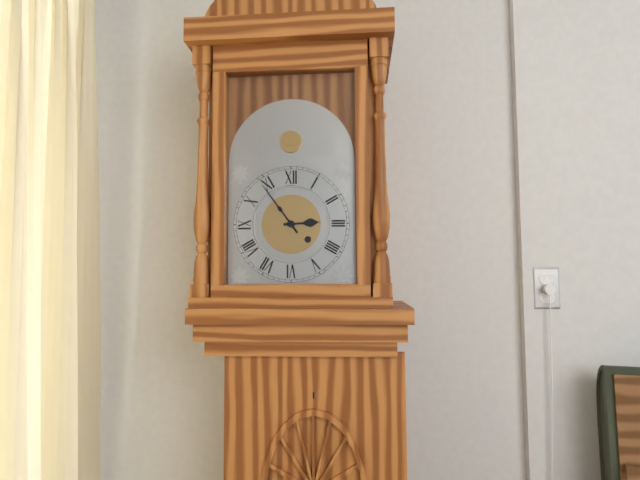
2:54
